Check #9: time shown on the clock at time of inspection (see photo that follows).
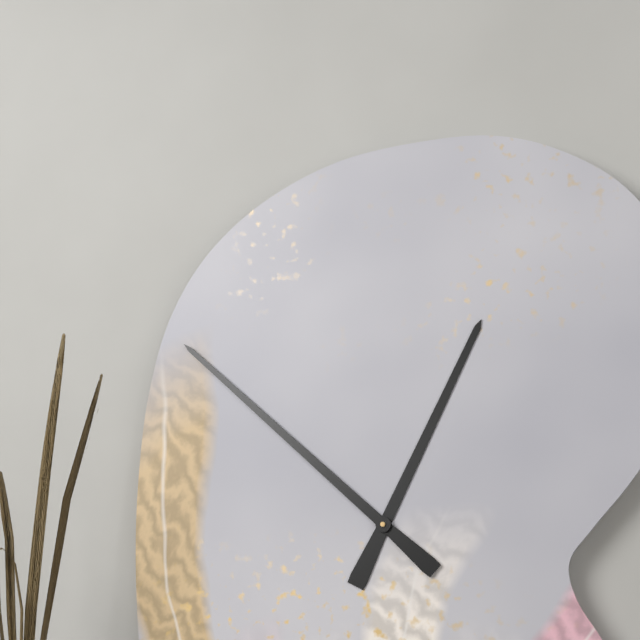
12:52
